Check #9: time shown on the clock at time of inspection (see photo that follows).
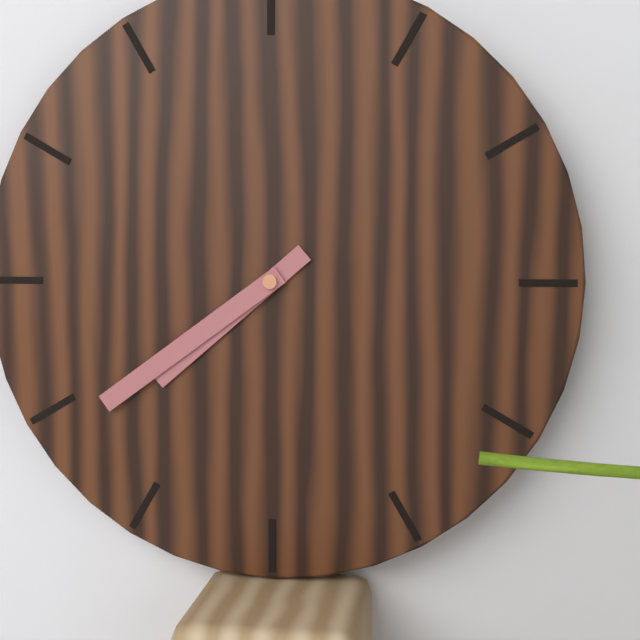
7:39
